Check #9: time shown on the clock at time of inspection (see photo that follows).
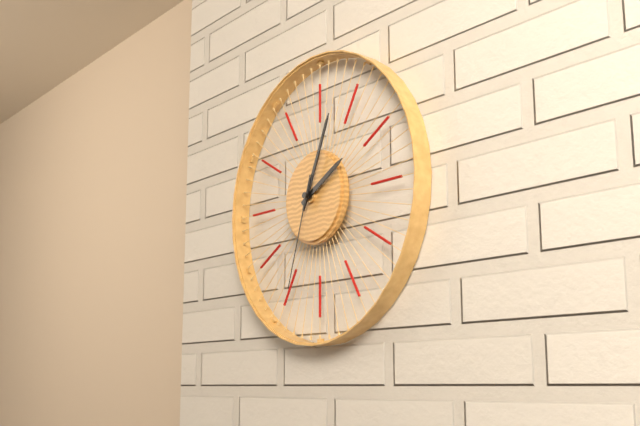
2:04:33
